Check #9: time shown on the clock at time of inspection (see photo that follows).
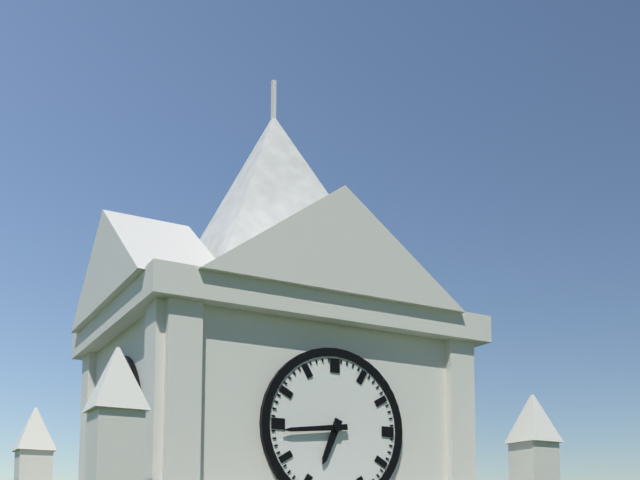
6:44
